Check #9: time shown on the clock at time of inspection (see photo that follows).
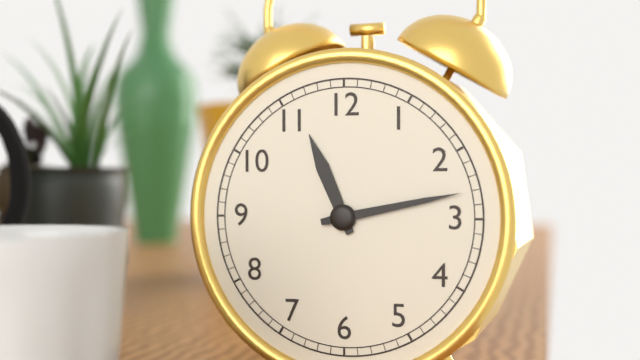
11:13
